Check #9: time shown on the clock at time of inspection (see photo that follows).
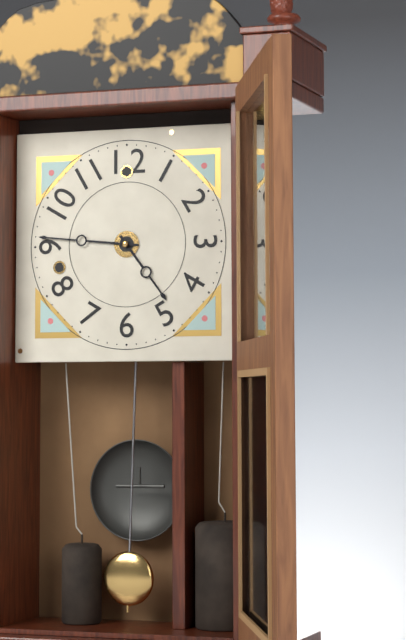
4:46
